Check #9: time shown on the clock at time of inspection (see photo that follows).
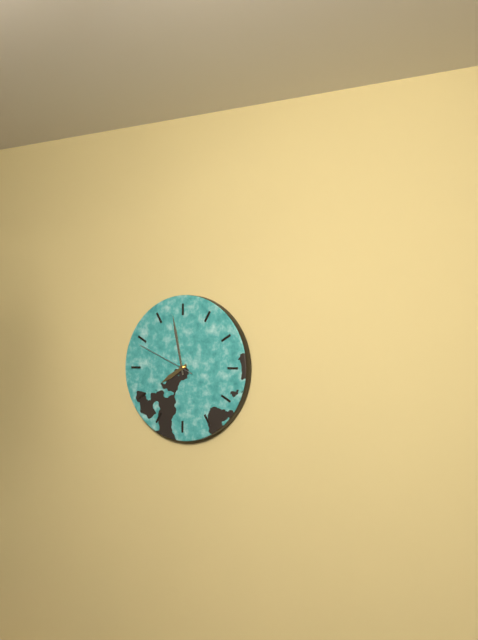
7:58:49
